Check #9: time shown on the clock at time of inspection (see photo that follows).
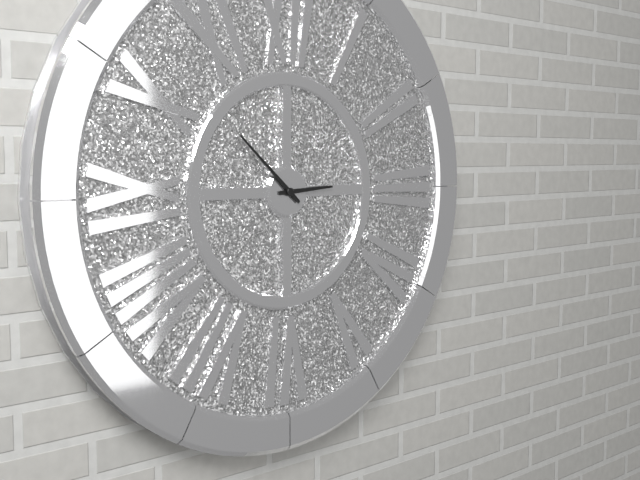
2:52
